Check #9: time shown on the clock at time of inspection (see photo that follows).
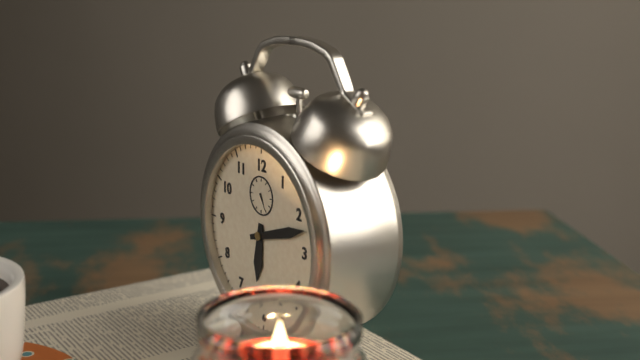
6:12
